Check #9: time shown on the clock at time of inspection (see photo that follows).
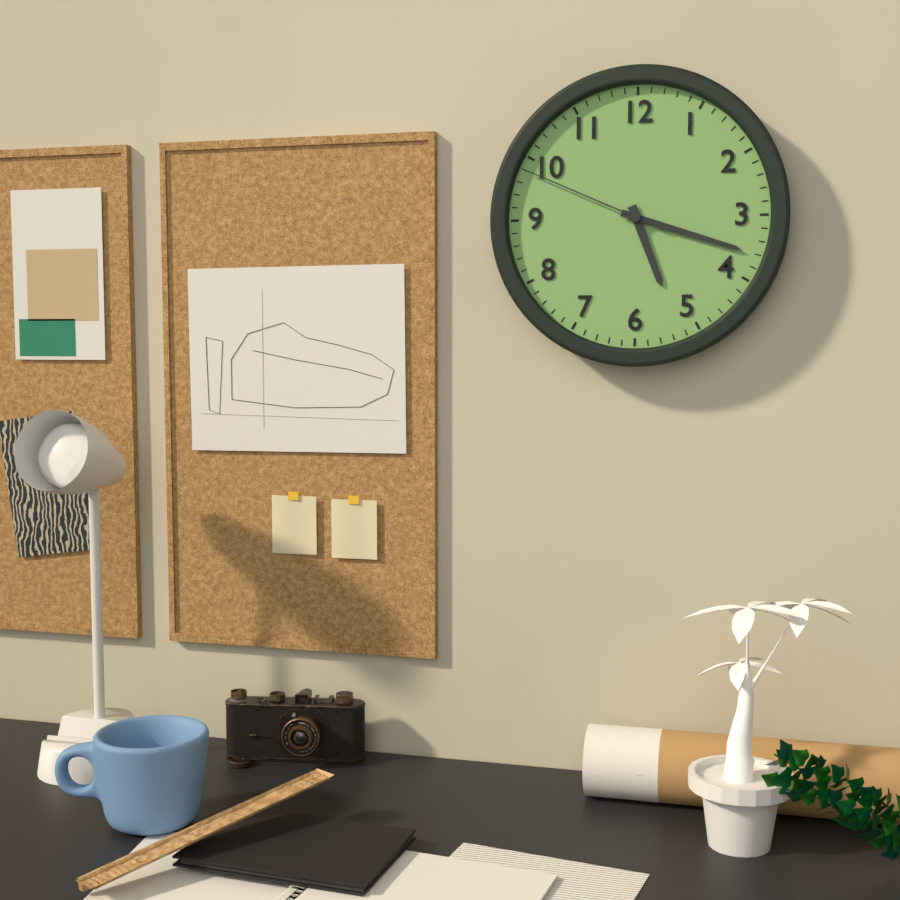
5:18:49
